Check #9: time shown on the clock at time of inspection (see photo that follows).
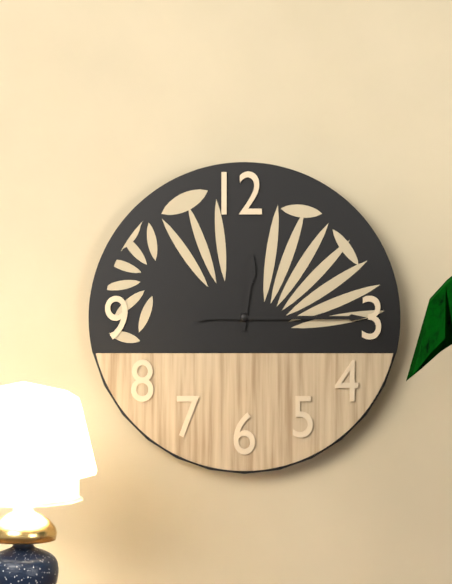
12:15
